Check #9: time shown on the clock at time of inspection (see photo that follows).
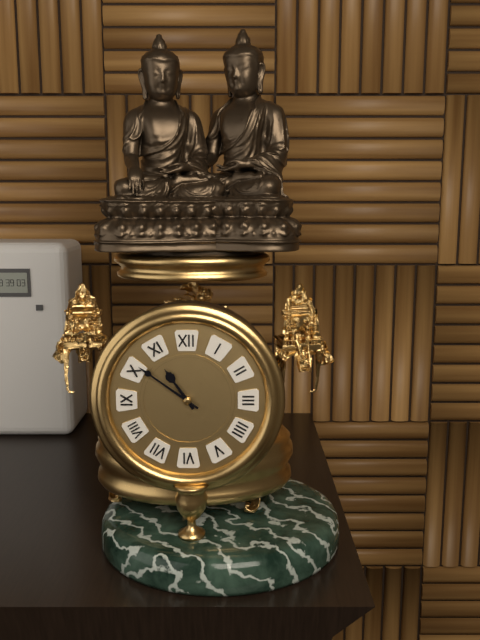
10:51
